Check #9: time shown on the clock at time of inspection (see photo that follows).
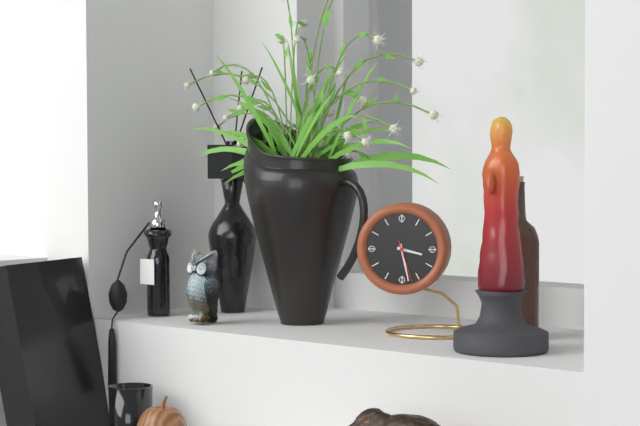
3:28
